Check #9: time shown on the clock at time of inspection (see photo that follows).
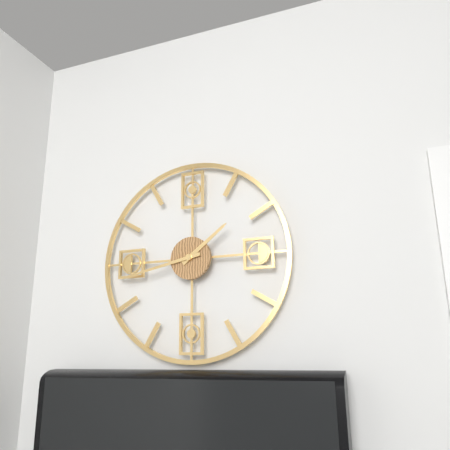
1:43
